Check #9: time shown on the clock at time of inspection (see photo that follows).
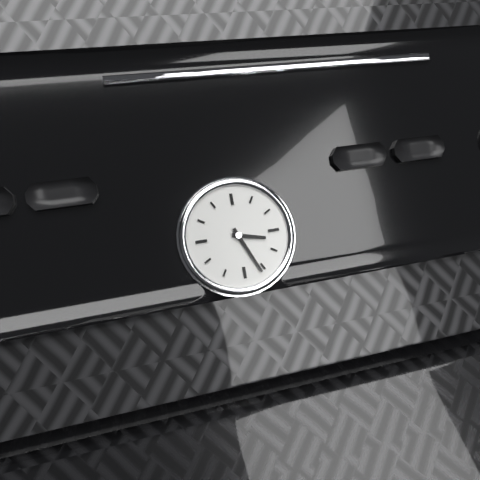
3:26
